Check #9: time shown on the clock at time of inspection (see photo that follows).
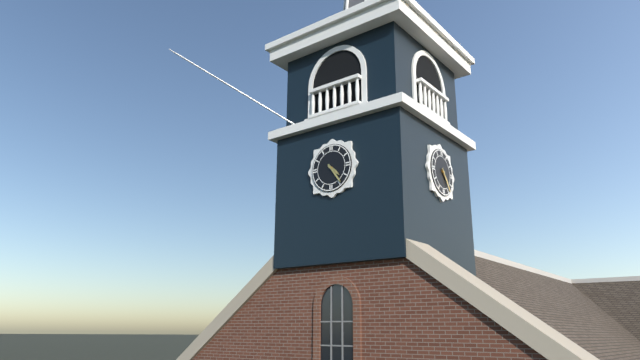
4:24
